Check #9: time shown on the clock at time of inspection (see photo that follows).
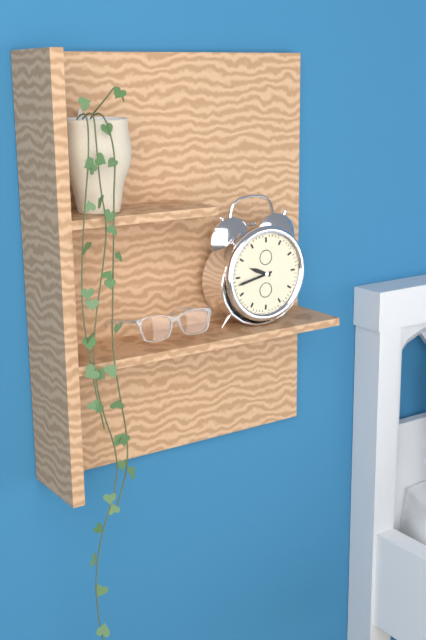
9:43
